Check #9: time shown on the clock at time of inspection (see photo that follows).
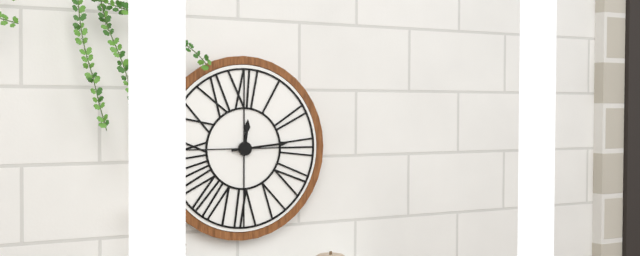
12:14
